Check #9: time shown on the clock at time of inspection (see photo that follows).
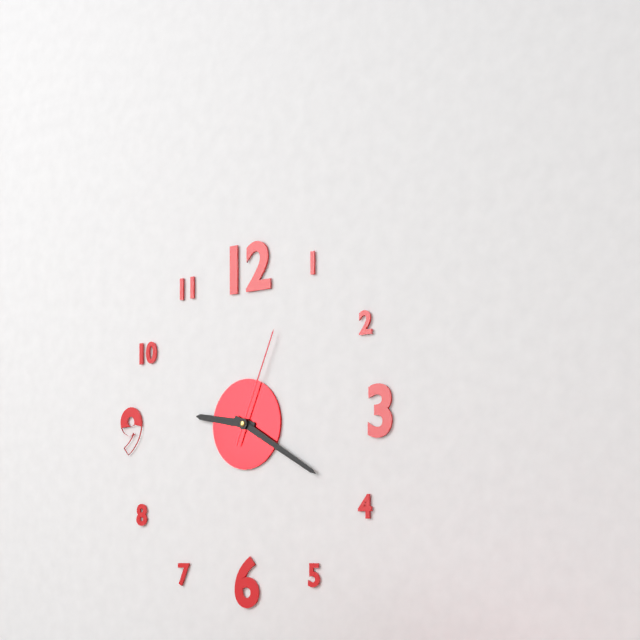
9:20:04
